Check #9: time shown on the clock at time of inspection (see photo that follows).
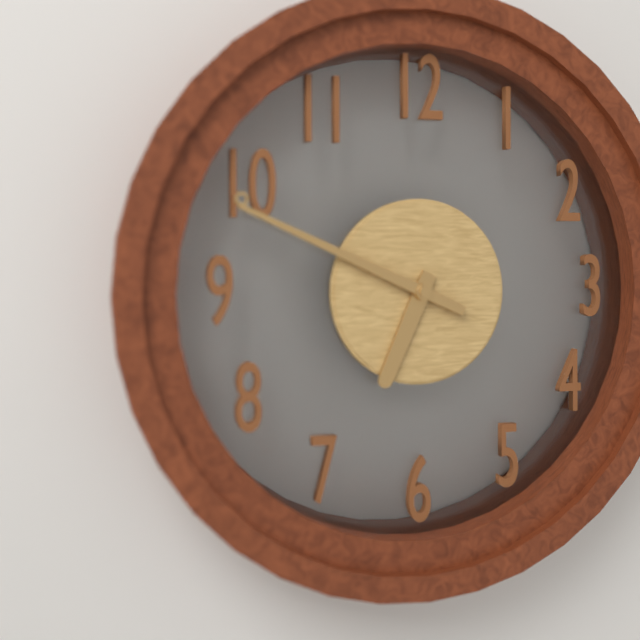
6:49
